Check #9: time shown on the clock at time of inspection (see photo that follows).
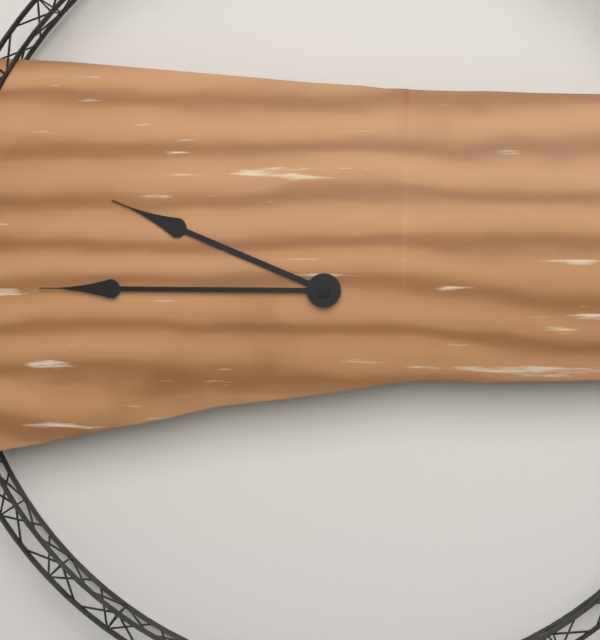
9:45
